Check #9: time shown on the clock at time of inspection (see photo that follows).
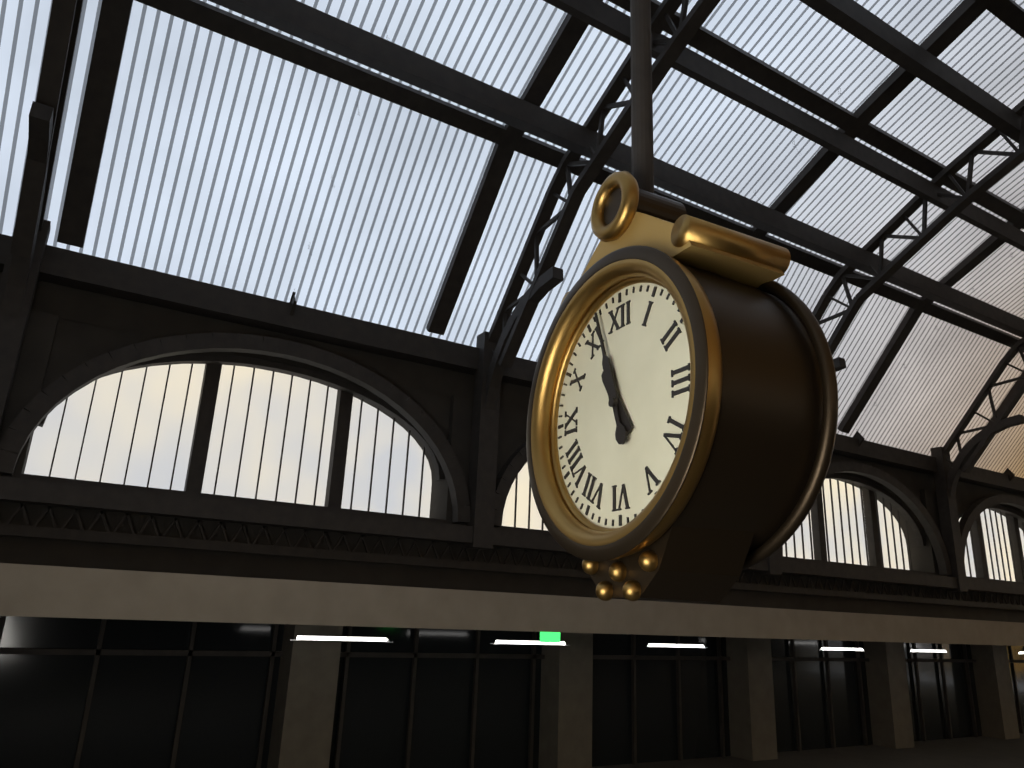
10:57
